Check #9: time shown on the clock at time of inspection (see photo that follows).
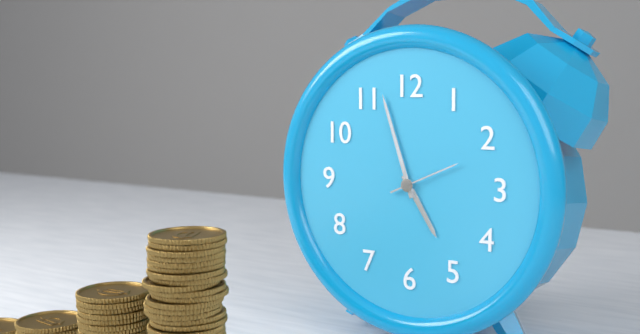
4:57:11
